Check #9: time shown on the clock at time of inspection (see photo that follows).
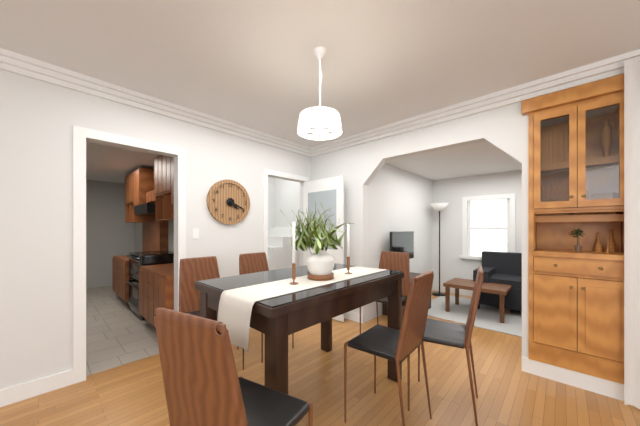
4:19
